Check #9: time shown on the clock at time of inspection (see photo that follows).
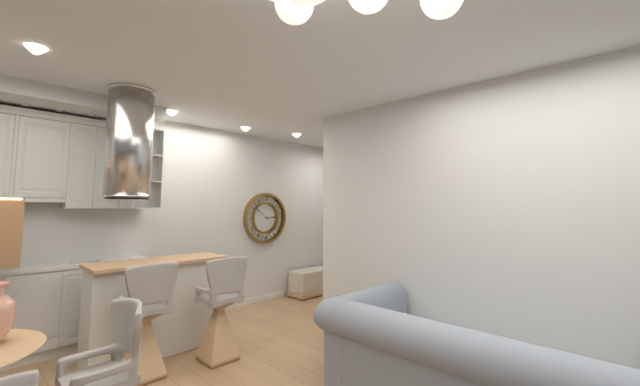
2:51
